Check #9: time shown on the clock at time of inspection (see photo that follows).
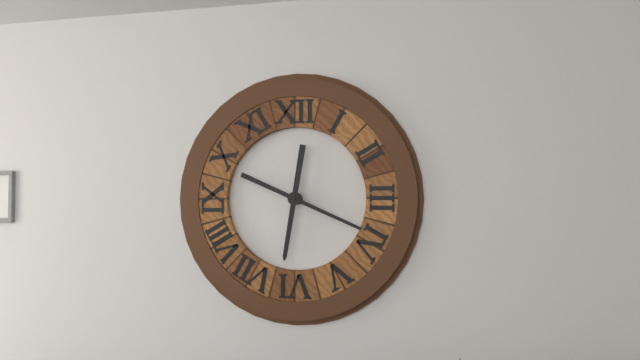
6:19
